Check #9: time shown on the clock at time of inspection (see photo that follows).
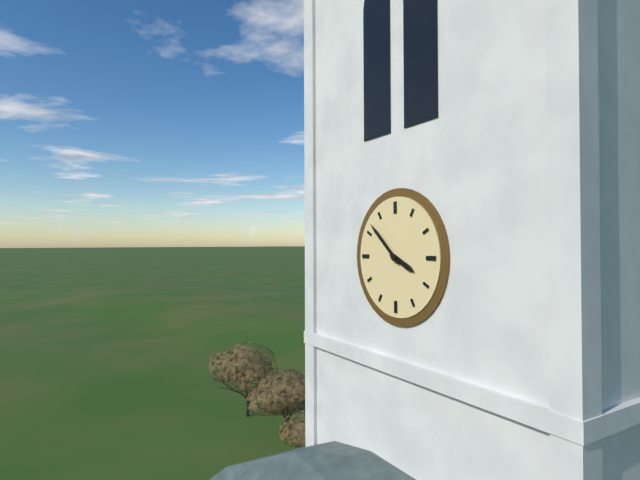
3:52
